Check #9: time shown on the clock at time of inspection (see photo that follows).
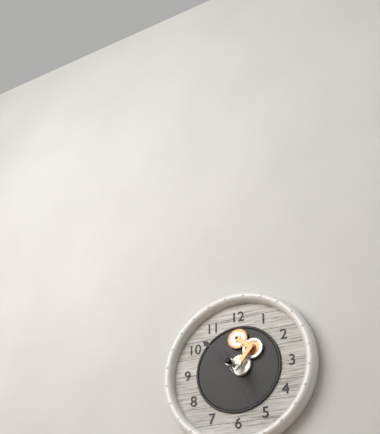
10:26
